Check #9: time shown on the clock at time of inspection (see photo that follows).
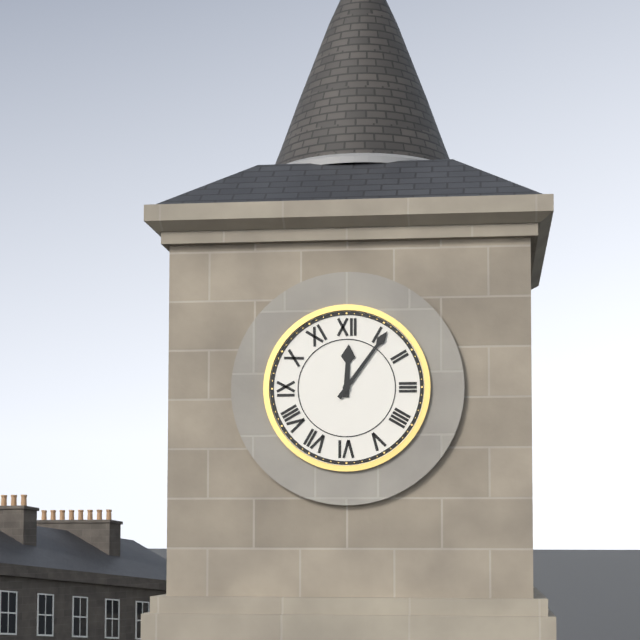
12:06
